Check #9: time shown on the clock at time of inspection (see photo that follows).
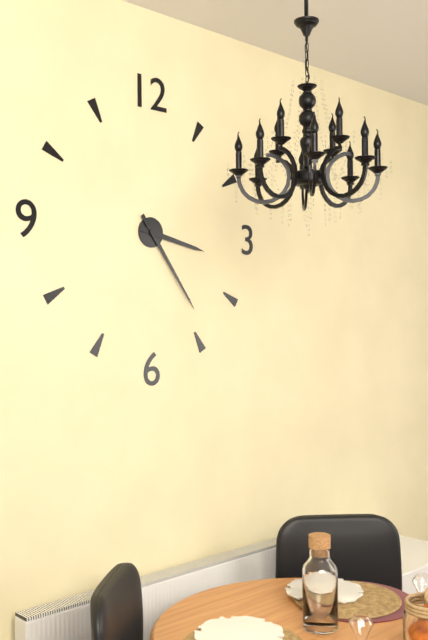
3:24
